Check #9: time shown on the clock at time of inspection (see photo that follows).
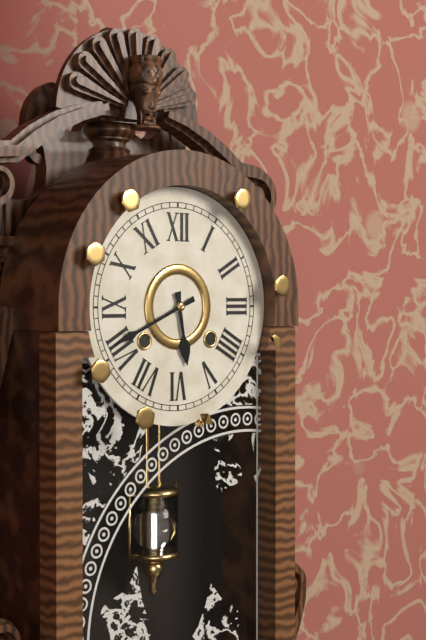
5:41
